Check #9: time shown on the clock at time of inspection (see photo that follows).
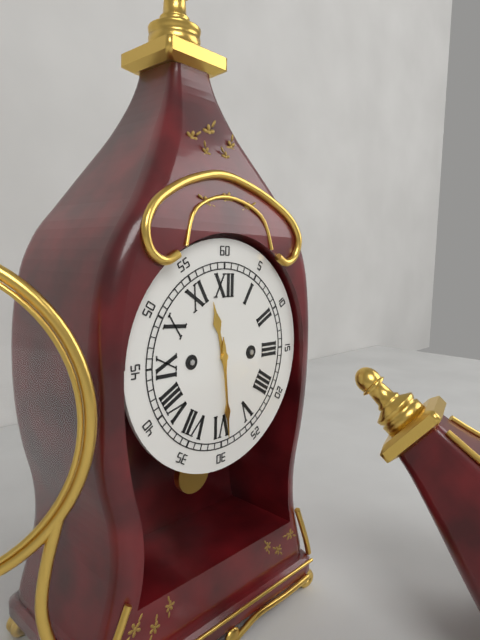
11:29
